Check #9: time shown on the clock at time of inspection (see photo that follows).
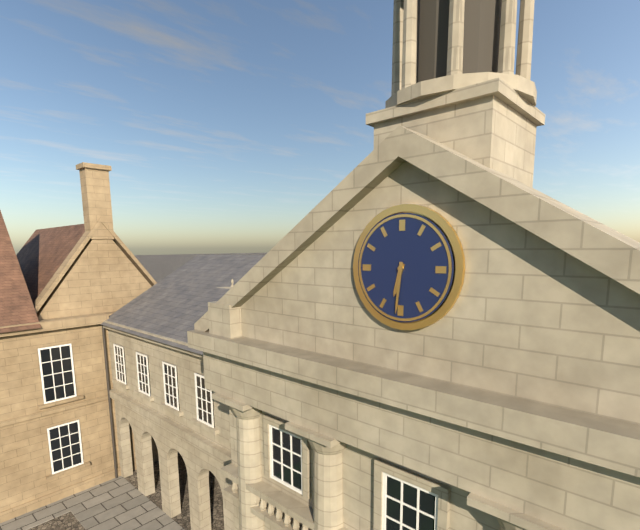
6:31
